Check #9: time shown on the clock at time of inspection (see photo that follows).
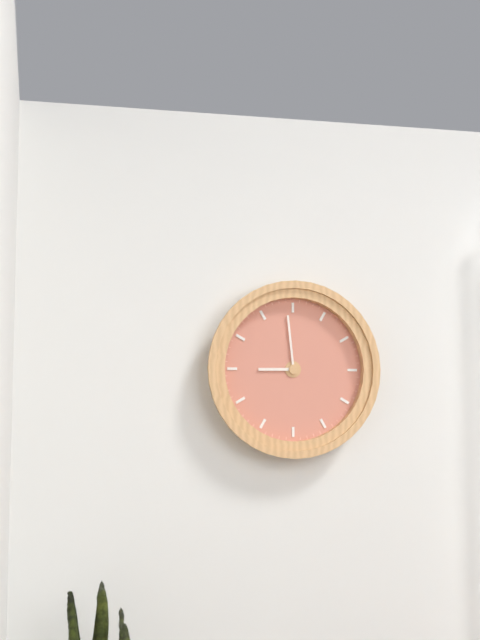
8:59
